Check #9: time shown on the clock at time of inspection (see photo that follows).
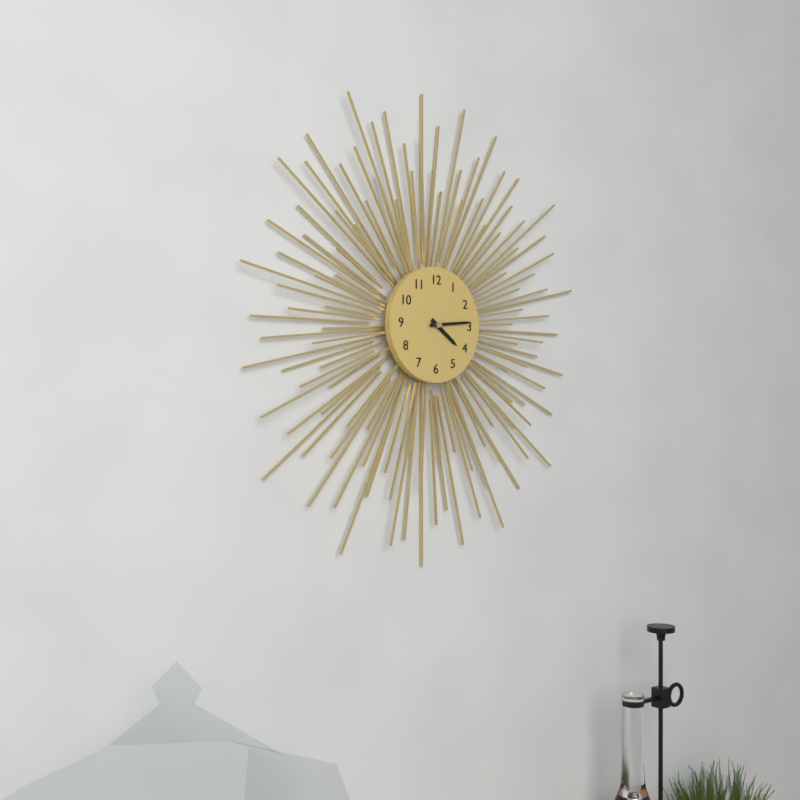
4:14
